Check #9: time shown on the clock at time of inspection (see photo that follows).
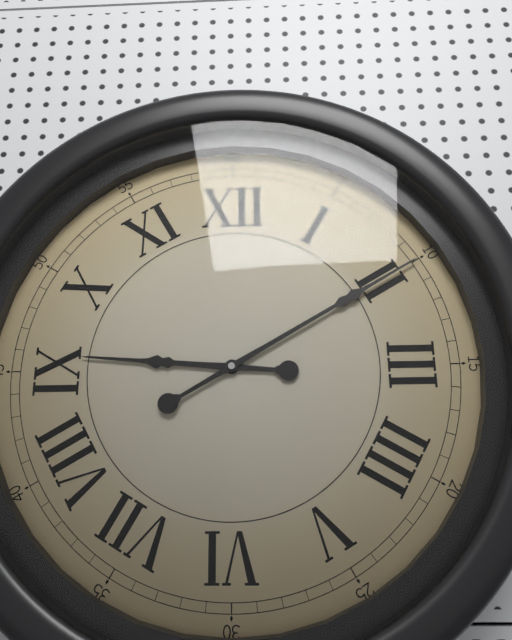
9:10
